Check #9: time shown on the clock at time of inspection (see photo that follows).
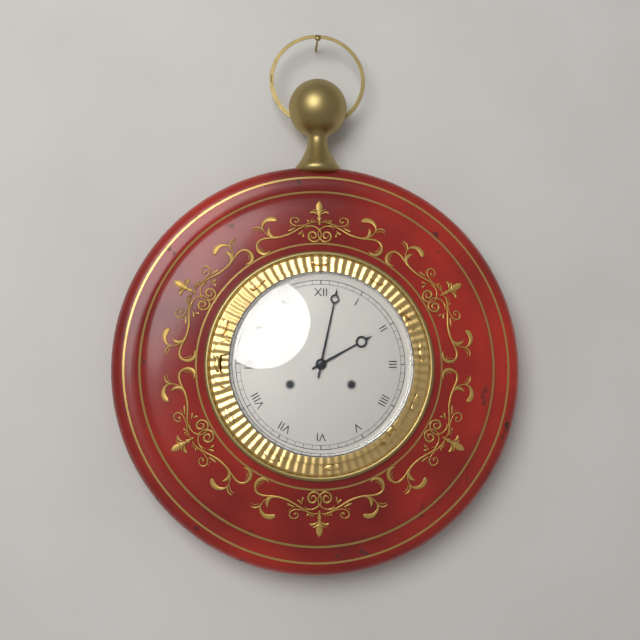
2:02
